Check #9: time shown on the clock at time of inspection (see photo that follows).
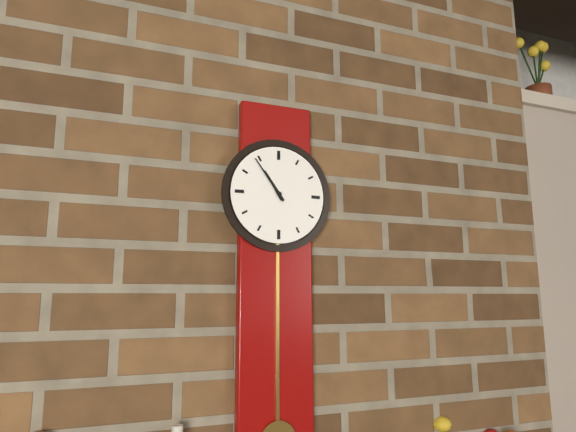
10:54
